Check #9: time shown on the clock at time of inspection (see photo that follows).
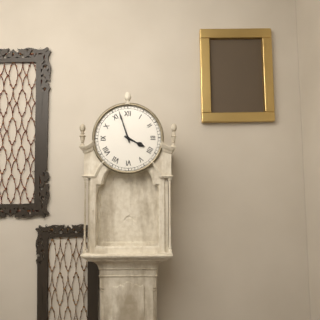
3:57
